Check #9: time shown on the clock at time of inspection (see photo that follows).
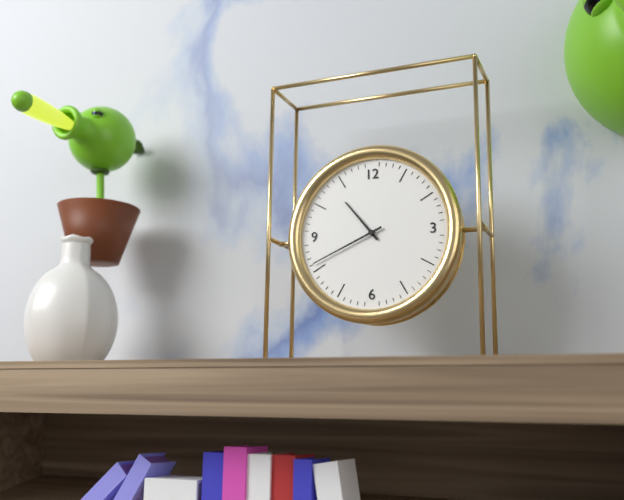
10:41
